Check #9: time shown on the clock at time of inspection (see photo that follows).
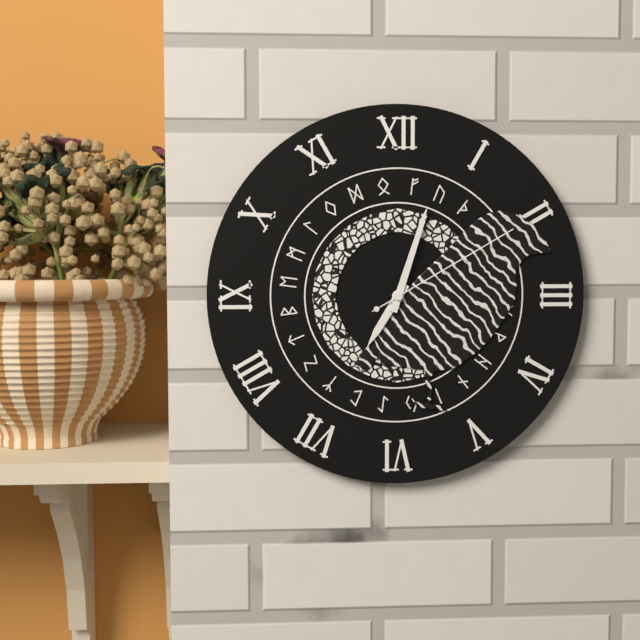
7:03:10
